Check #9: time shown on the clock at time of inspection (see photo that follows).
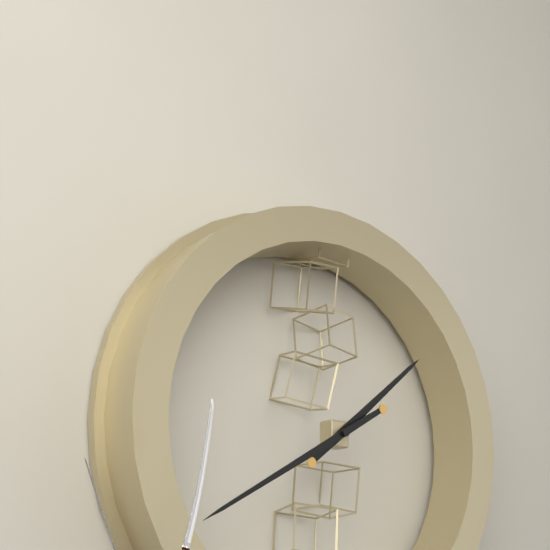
1:40
